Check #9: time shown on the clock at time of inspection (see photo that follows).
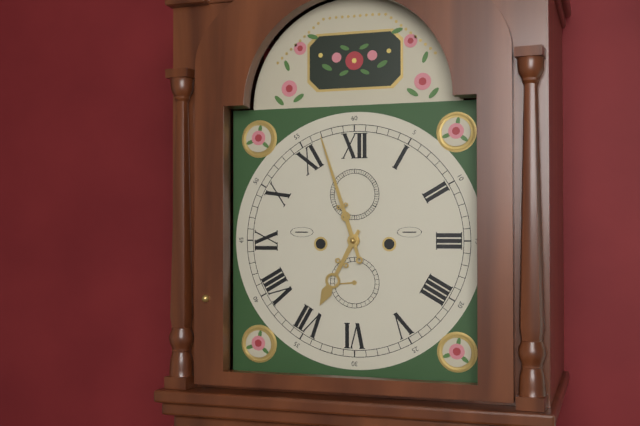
6:57
